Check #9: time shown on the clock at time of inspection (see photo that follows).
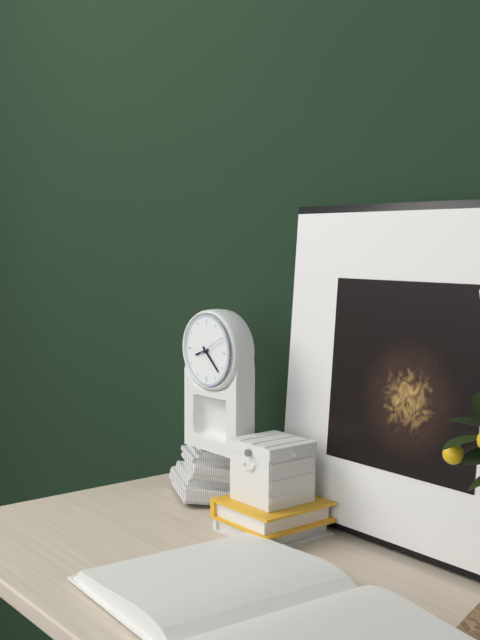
8:22
